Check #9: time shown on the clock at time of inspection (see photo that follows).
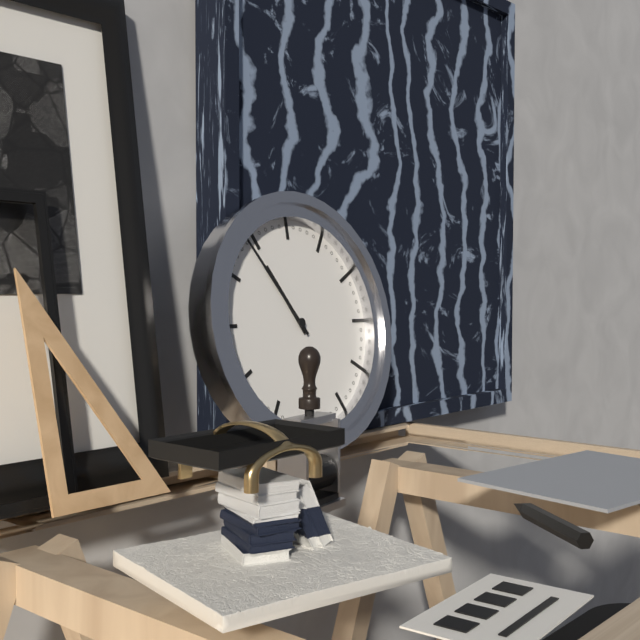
10:54
